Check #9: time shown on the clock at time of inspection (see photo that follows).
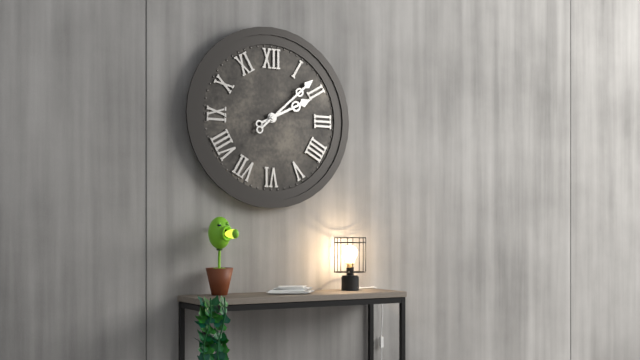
2:08
